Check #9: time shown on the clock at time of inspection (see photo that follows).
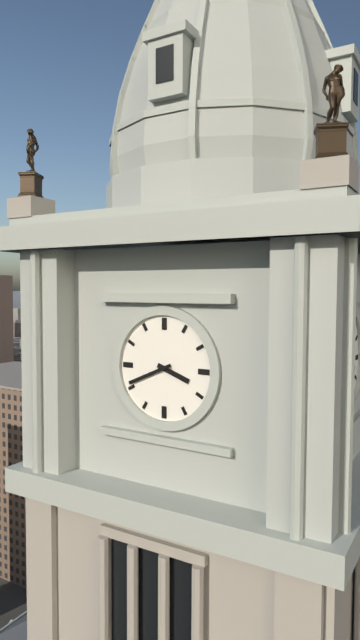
3:41
